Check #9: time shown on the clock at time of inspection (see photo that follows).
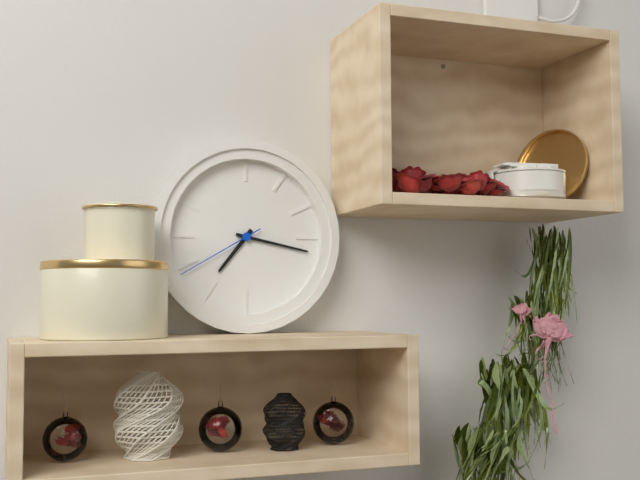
7:17:40
